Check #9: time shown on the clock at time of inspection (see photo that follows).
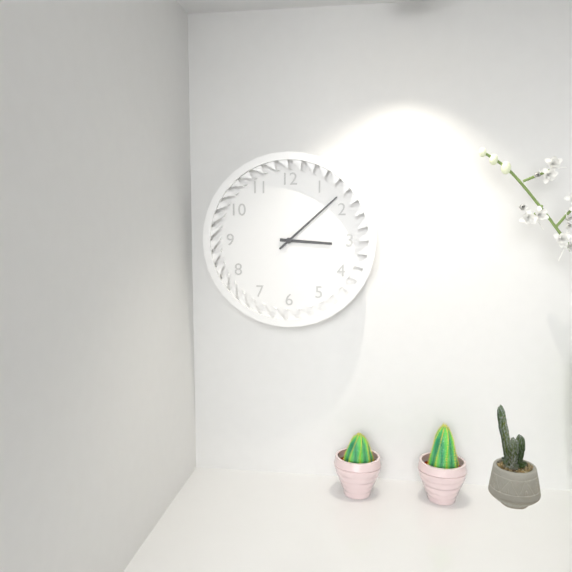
3:08
